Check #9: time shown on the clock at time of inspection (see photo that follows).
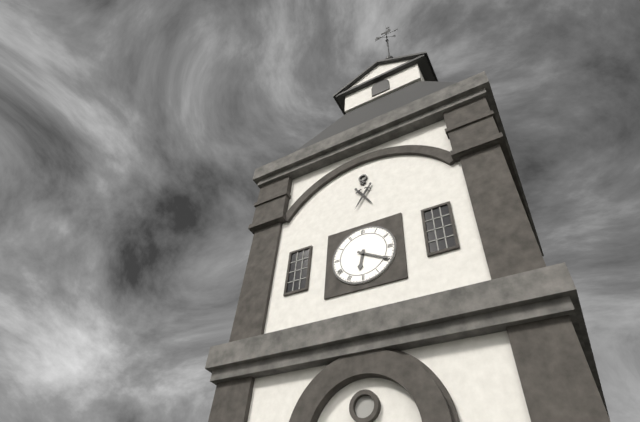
6:20
